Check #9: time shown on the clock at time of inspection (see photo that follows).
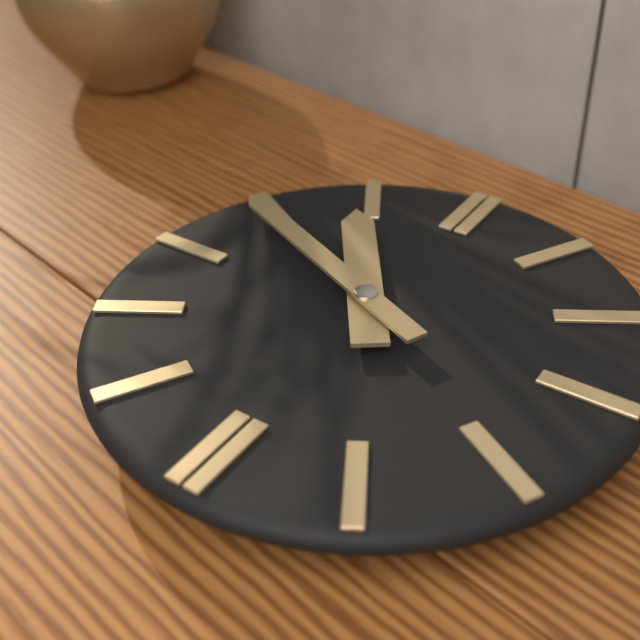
10:49
